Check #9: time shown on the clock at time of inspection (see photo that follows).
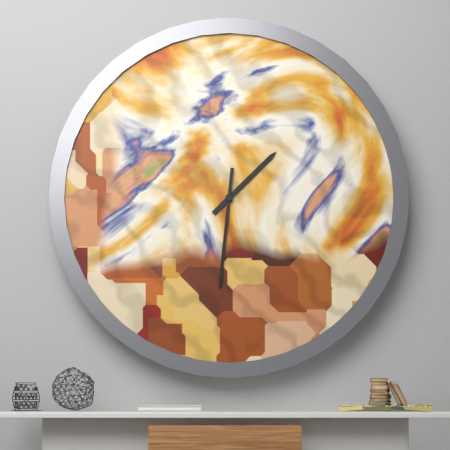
1:31
